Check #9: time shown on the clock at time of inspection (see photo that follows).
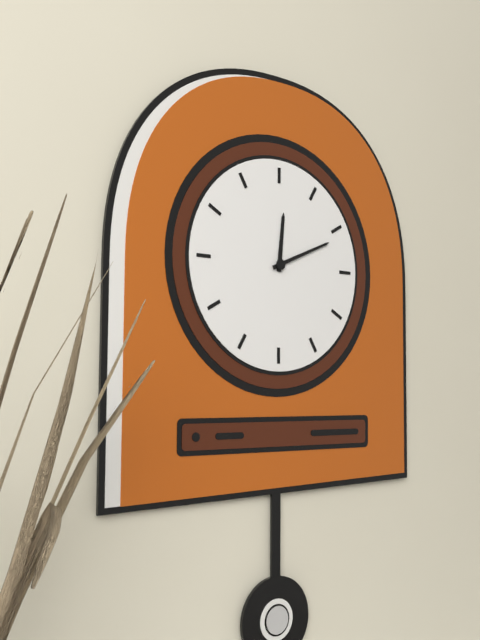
12:11
